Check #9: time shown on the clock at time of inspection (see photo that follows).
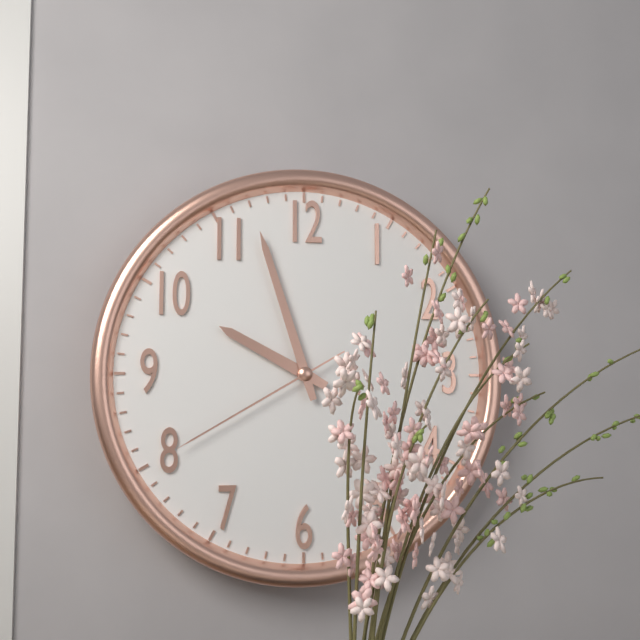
9:57:40
